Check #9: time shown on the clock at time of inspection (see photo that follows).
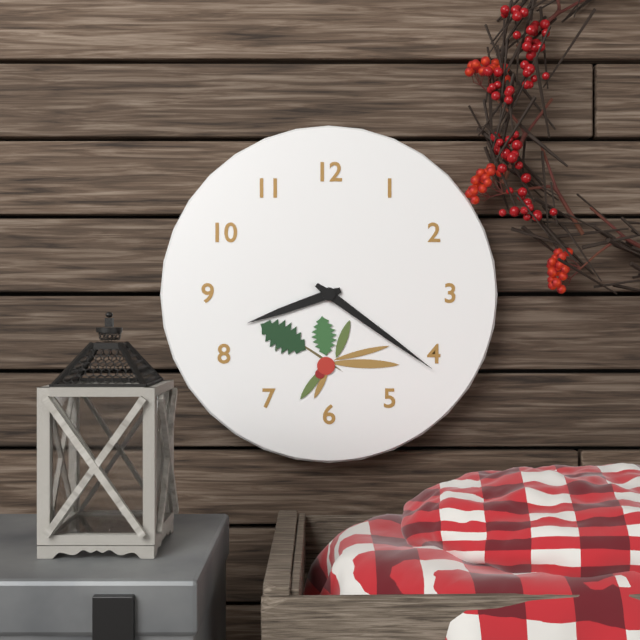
8:21
